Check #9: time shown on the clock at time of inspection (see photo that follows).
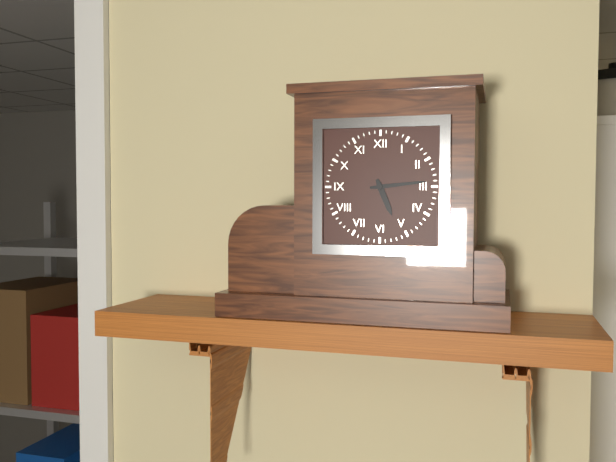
5:14
